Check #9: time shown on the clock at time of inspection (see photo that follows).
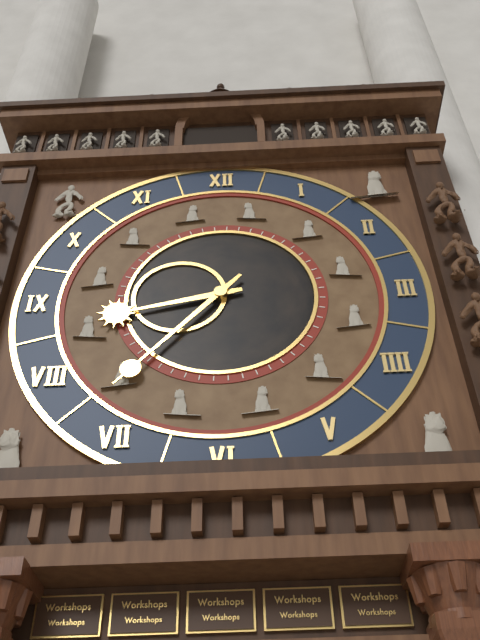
8:37
